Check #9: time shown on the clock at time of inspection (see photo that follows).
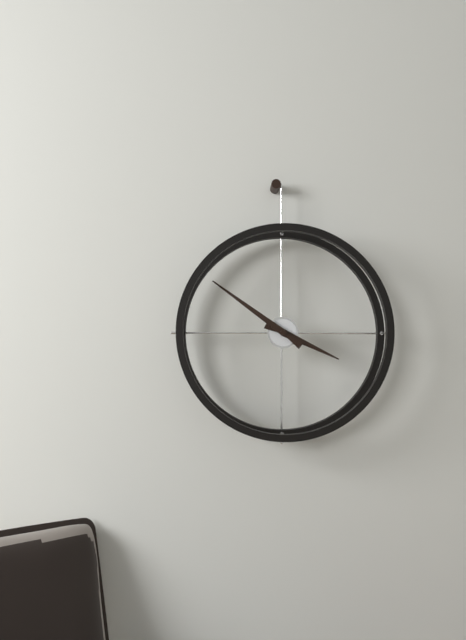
3:51
